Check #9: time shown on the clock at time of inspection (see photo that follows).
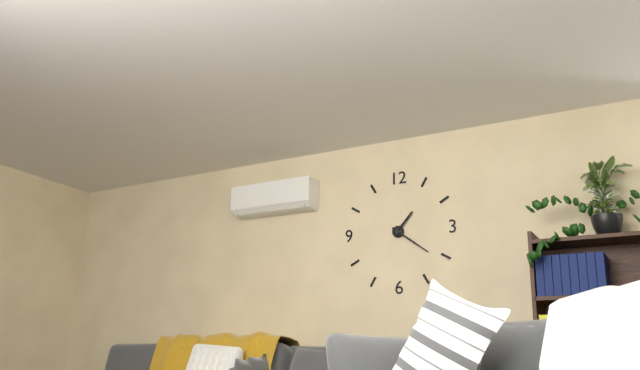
1:21
